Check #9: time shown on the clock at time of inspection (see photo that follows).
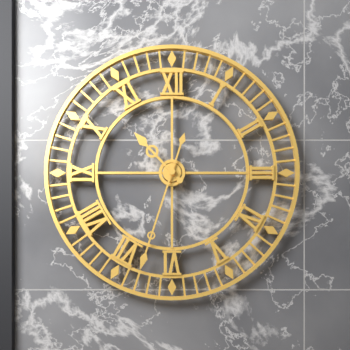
10:33
